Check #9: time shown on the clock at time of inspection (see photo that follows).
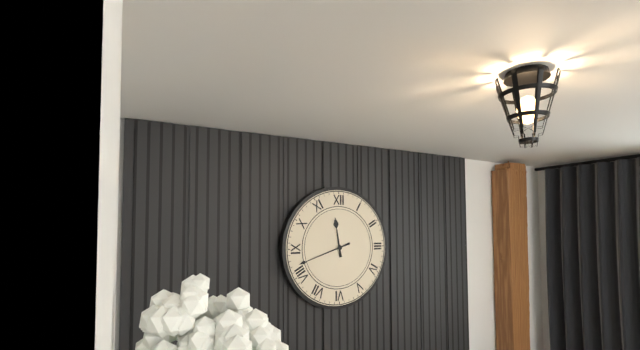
11:42
